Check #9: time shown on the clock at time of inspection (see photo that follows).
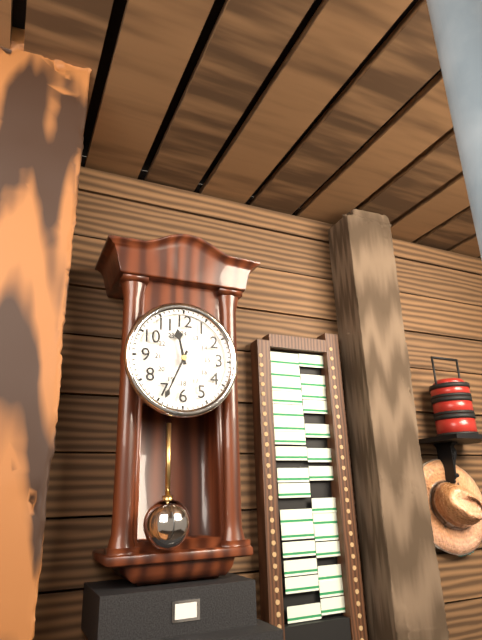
11:34
